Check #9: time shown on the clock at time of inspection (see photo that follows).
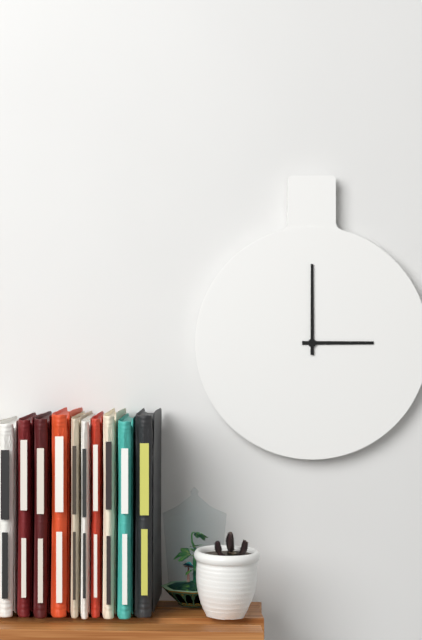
3:00
